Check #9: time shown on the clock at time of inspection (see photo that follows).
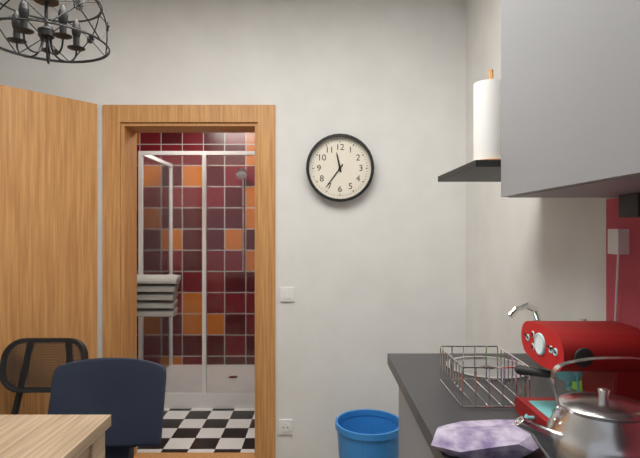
11:36
